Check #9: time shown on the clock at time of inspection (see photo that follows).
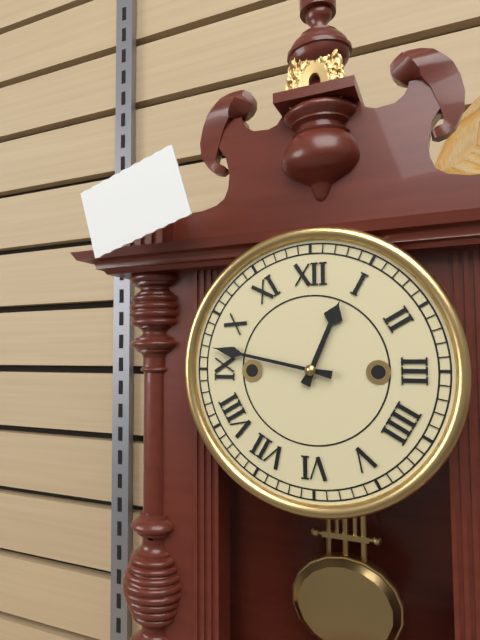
12:47
